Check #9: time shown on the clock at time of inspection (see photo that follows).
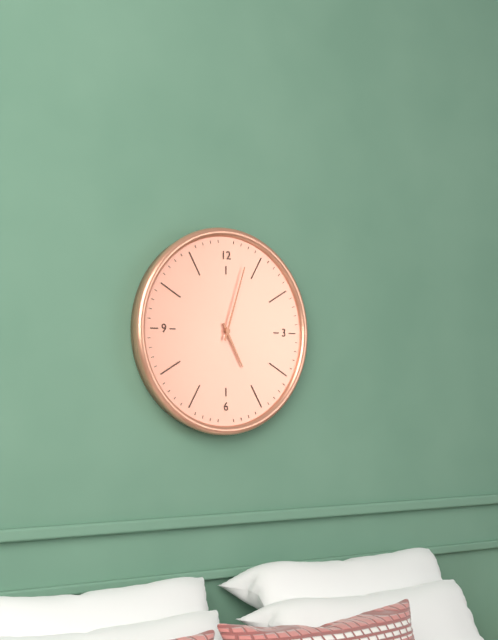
5:03
